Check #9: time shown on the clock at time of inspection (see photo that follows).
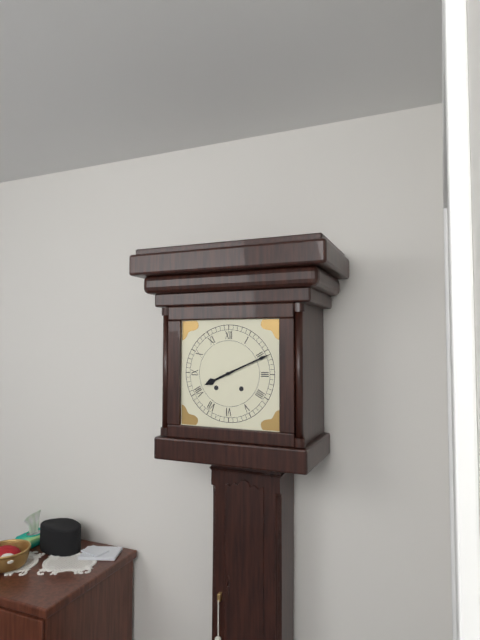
8:11
